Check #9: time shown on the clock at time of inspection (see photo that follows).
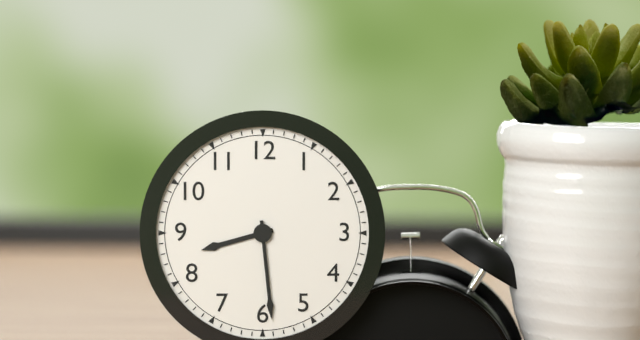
8:29
